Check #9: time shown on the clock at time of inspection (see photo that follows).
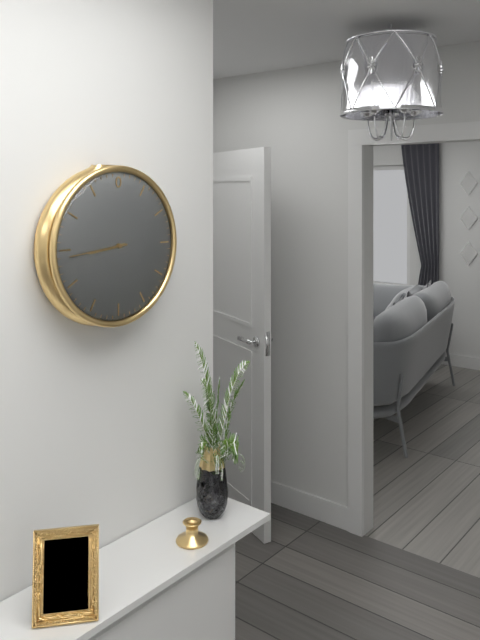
8:44
